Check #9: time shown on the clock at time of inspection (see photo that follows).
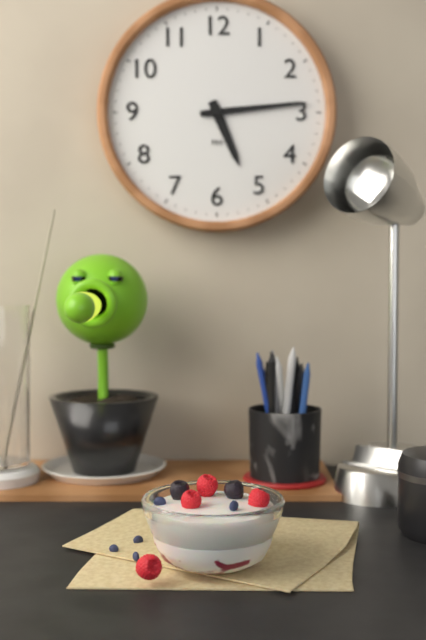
5:14
